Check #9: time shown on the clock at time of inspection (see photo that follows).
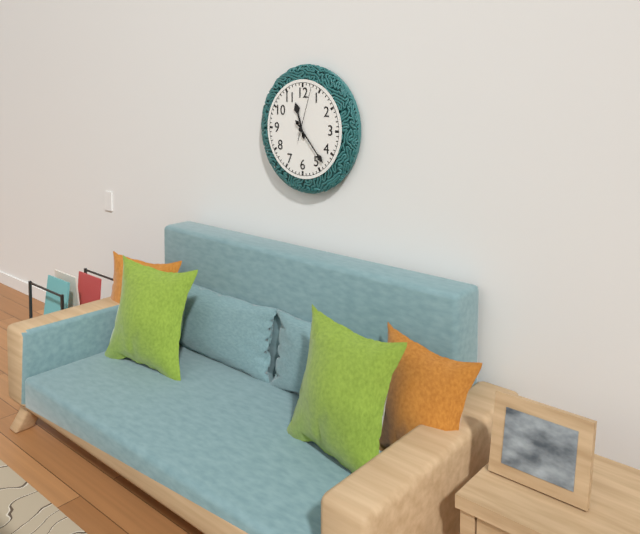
11:23:03
